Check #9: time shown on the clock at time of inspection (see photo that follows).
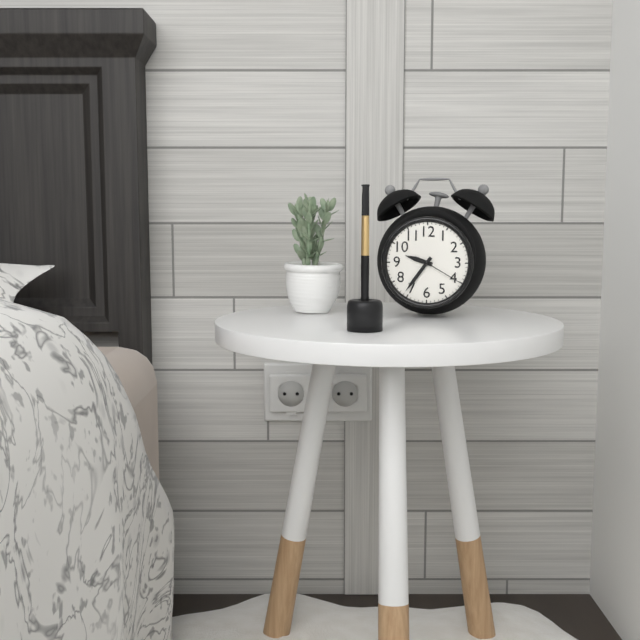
9:36
